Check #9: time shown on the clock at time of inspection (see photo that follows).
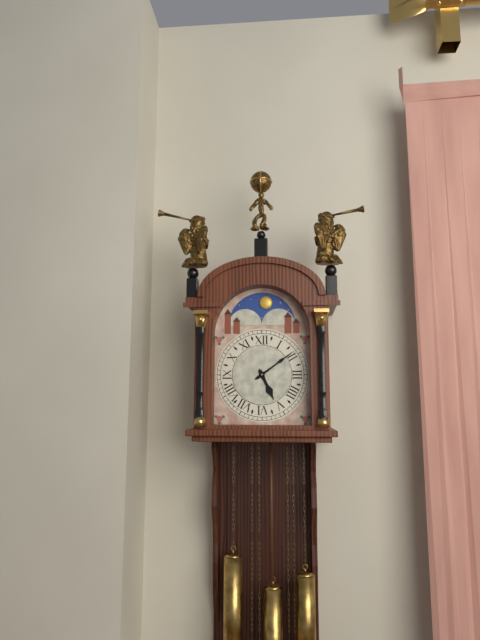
5:09
